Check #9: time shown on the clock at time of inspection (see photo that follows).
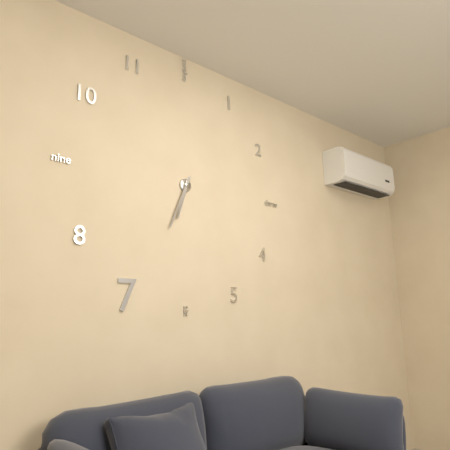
6:34
